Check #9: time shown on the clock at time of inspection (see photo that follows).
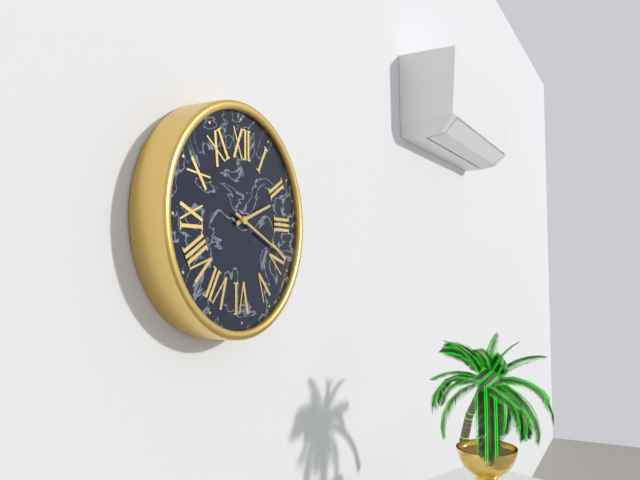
2:19
